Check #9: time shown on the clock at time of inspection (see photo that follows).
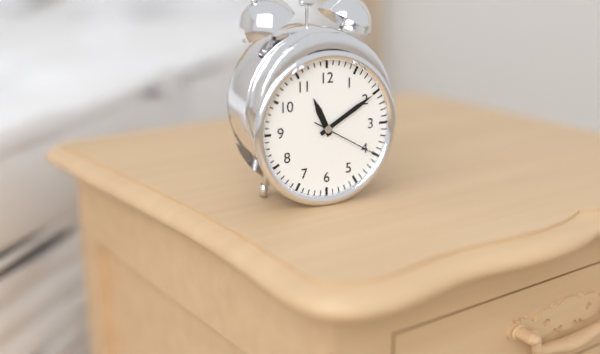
11:10:20
